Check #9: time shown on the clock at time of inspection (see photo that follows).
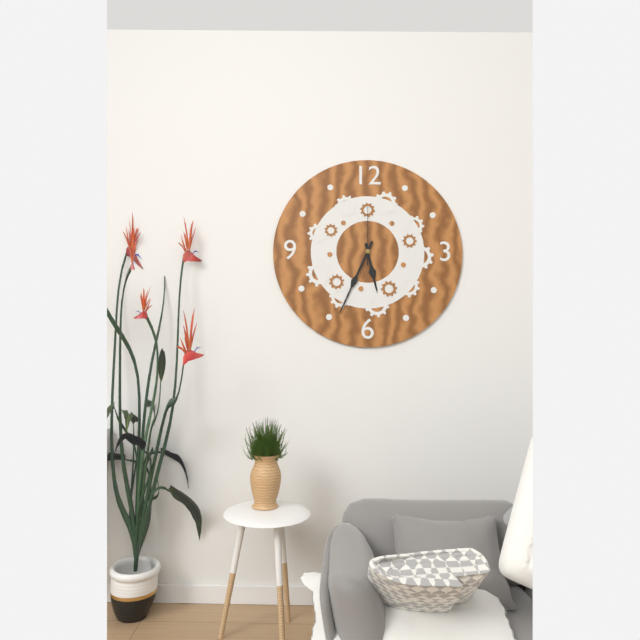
5:34:00
